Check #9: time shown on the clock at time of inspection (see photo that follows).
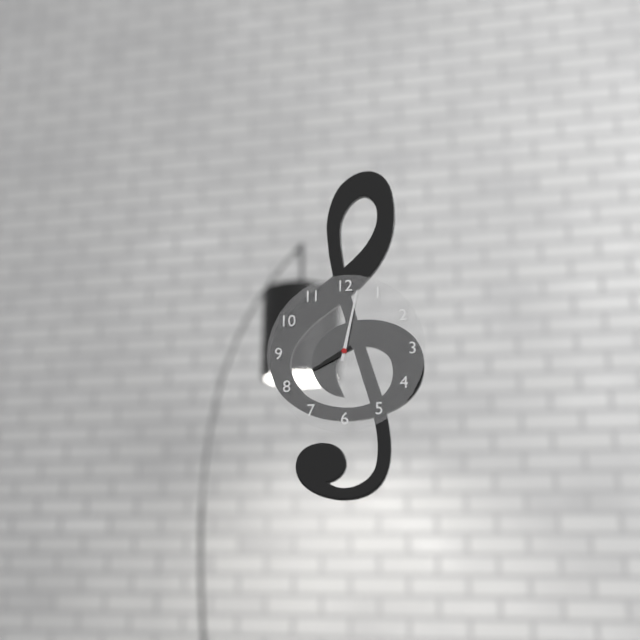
8:02
